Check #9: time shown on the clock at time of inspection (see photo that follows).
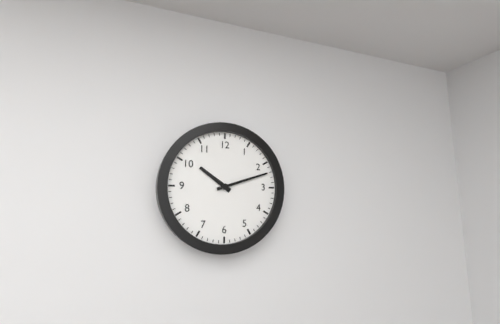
10:12
